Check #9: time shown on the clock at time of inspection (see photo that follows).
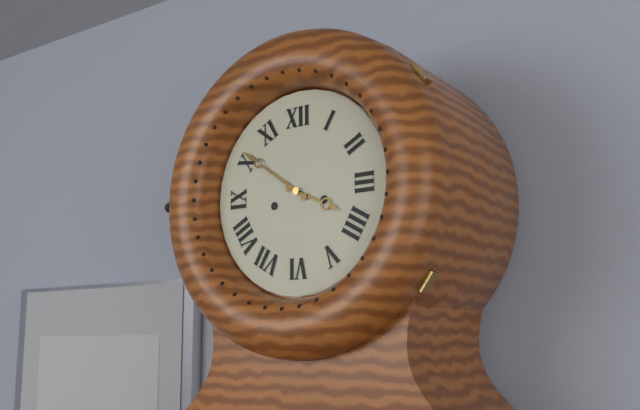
3:51
